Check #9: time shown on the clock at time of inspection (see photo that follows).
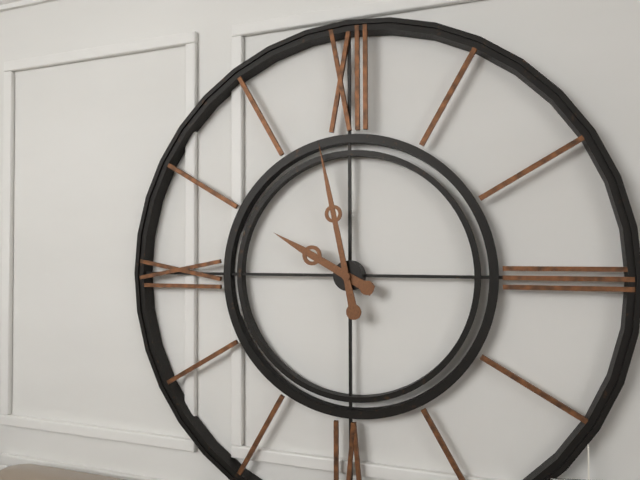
9:58
